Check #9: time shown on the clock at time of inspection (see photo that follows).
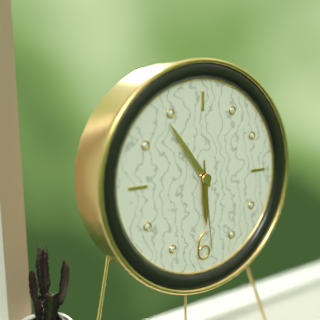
5:54:29
